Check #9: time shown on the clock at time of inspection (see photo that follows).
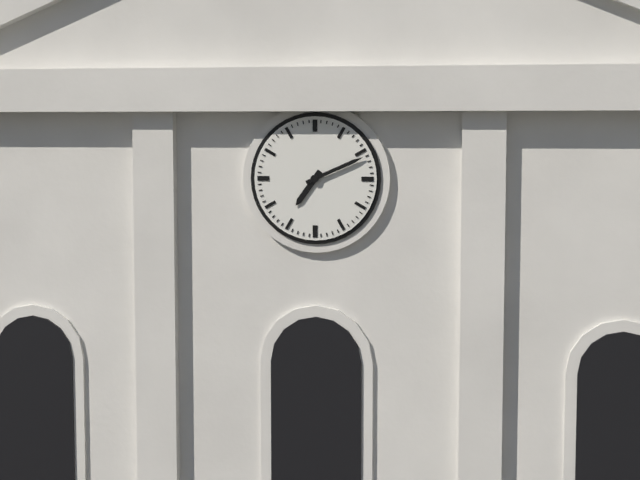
7:11
